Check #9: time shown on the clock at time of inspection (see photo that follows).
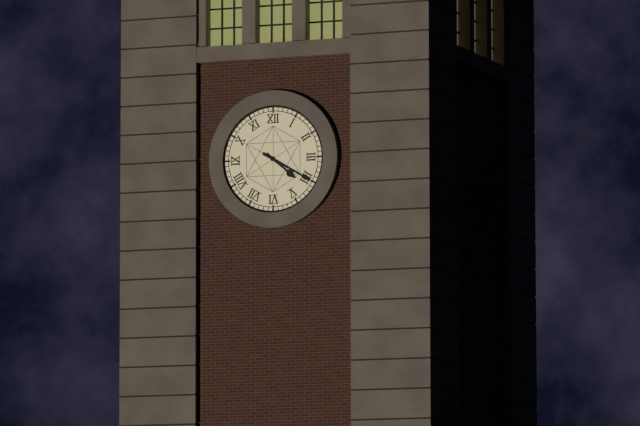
4:20
